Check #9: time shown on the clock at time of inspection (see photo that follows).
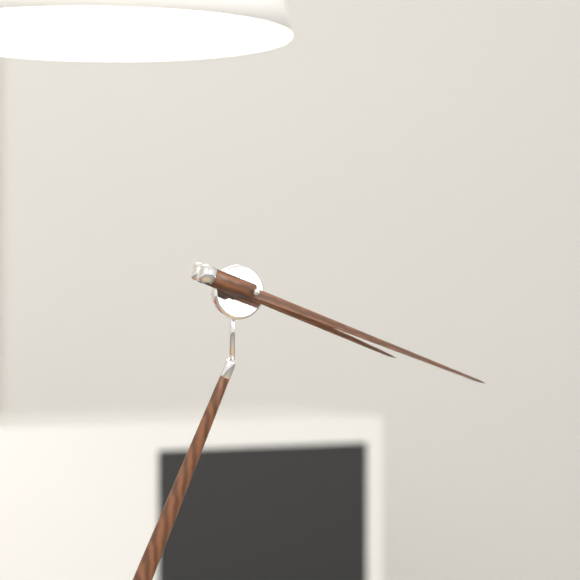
3:16
